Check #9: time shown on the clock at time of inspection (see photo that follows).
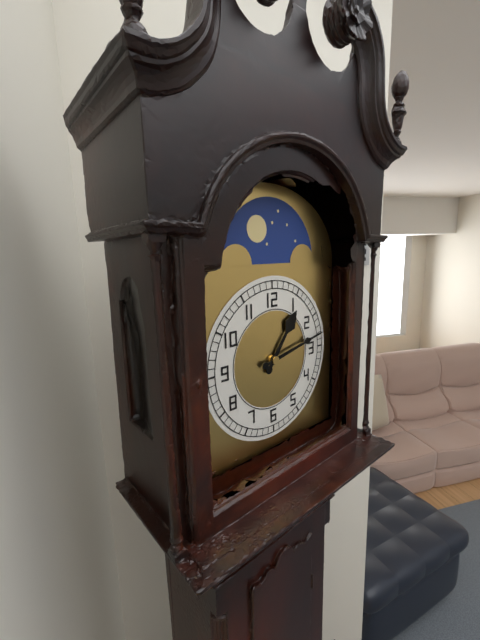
1:13
